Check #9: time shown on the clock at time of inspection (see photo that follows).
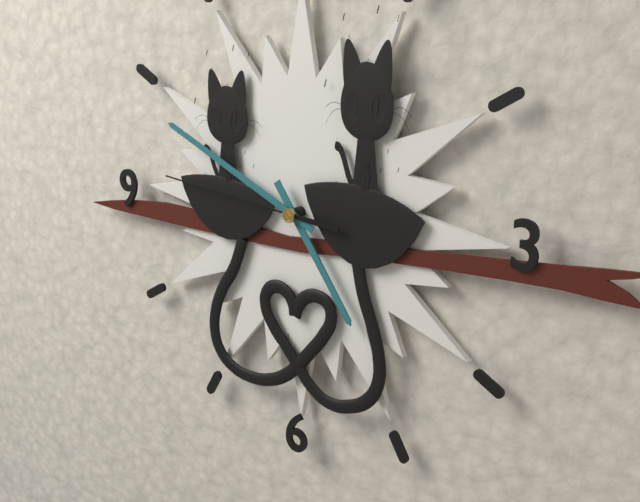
4:49:46
